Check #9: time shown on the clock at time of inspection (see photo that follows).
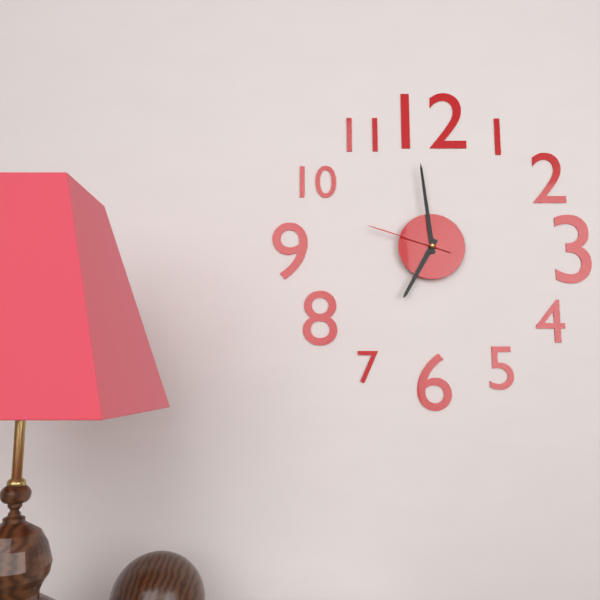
6:59:48
